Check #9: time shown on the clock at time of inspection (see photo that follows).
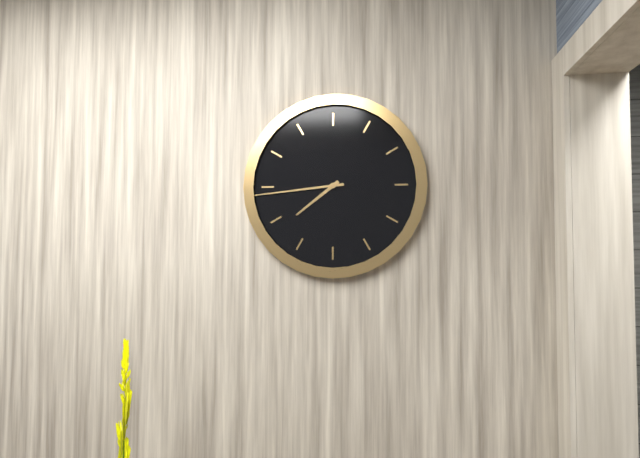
7:44
